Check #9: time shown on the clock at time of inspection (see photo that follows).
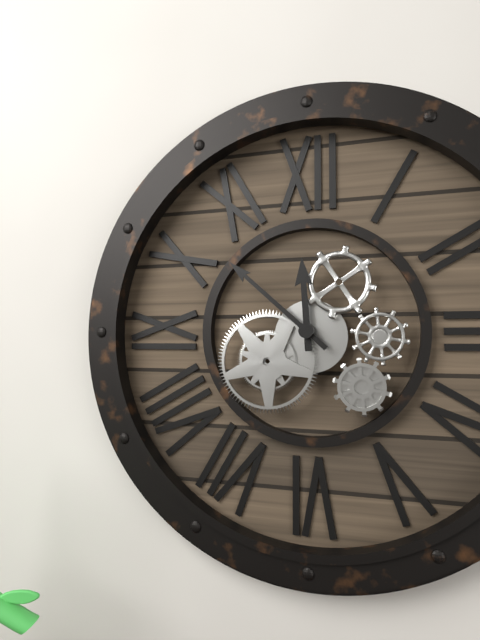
11:52
